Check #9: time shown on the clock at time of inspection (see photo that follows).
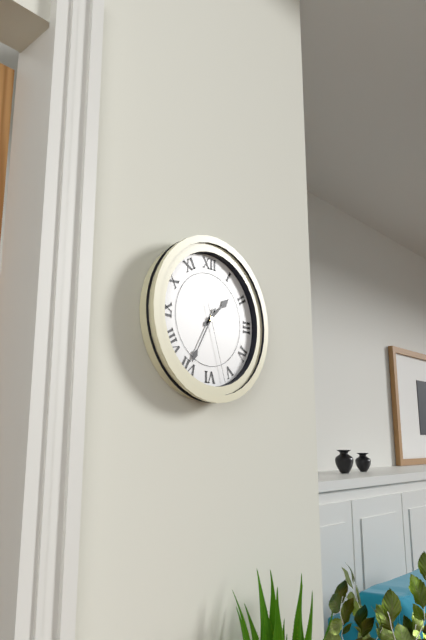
1:35:27
